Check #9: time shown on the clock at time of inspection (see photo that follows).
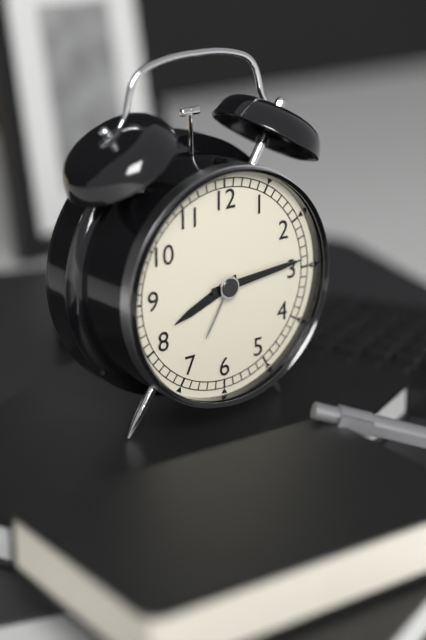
8:14
